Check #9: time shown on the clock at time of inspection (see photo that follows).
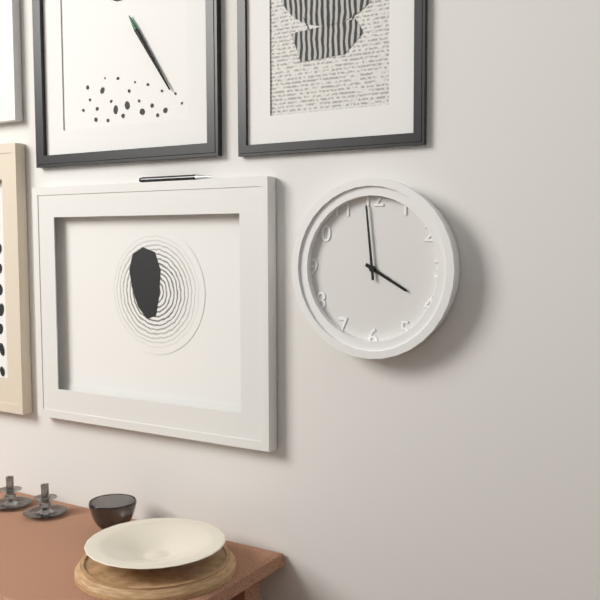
3:59
